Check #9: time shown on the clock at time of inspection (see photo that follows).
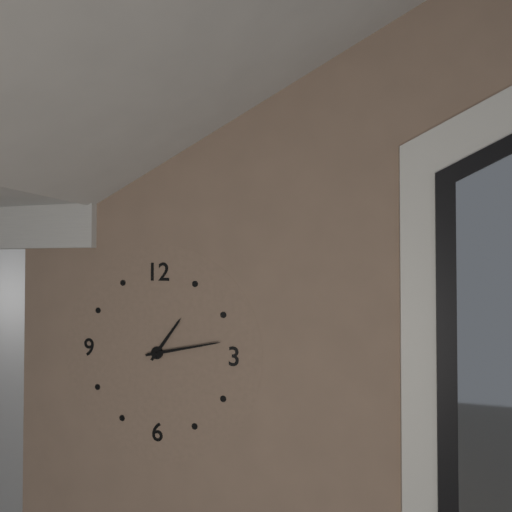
1:13
